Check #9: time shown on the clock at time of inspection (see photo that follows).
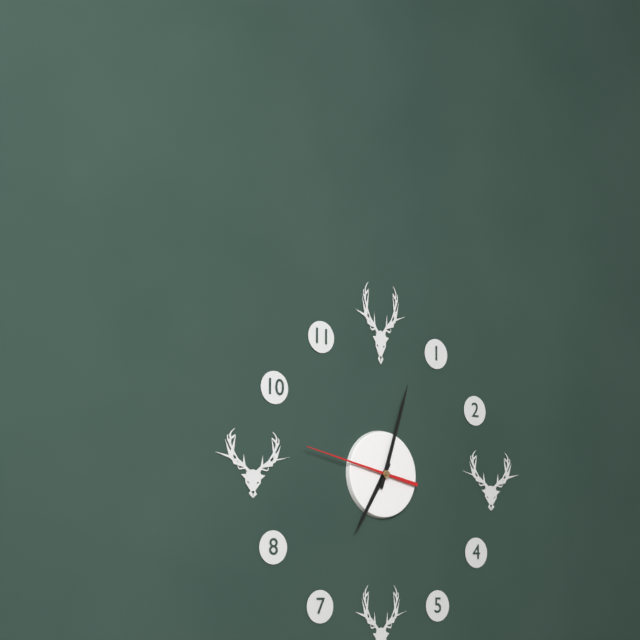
7:03:47
